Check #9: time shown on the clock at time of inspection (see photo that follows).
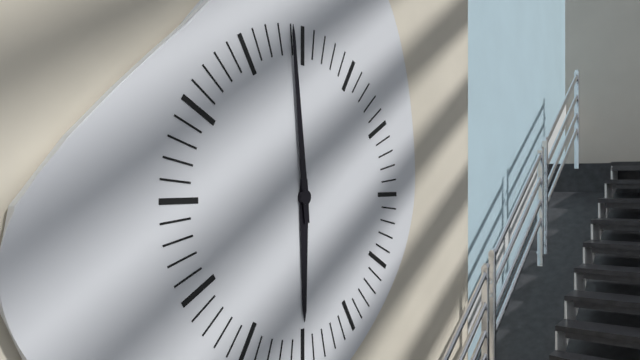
5:59
